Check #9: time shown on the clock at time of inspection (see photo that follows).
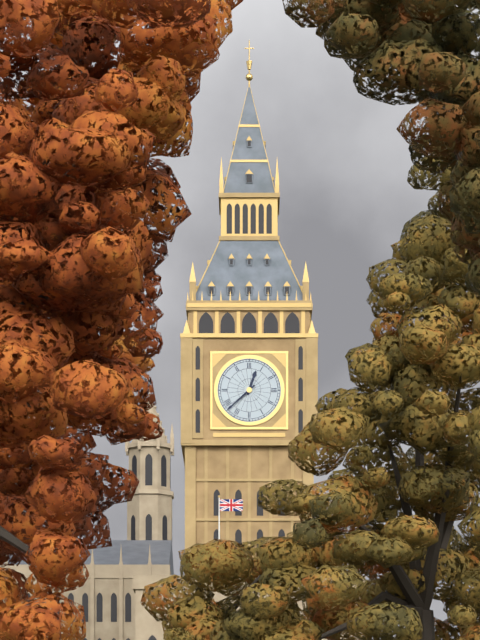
12:38
